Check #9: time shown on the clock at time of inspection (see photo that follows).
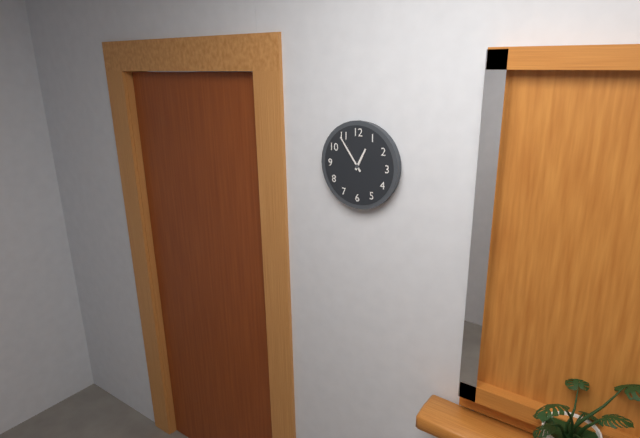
12:54
